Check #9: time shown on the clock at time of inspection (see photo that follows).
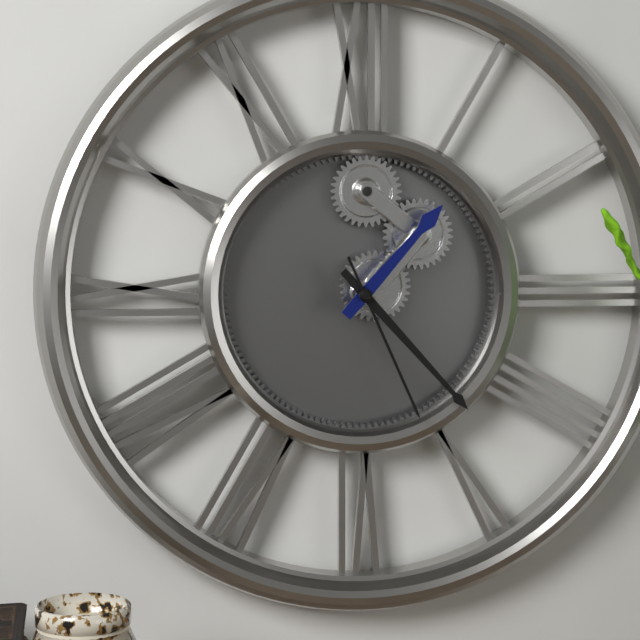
1:23:26
